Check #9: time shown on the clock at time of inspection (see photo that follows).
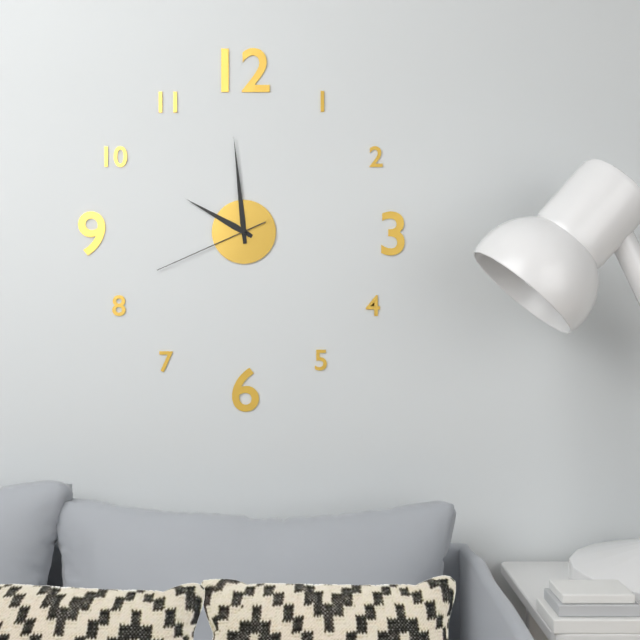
9:59:41
